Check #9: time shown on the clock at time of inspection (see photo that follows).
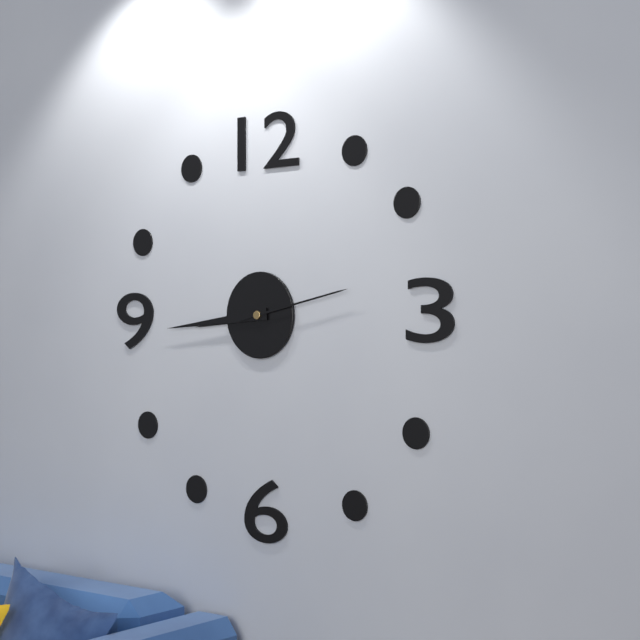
8:44:13
